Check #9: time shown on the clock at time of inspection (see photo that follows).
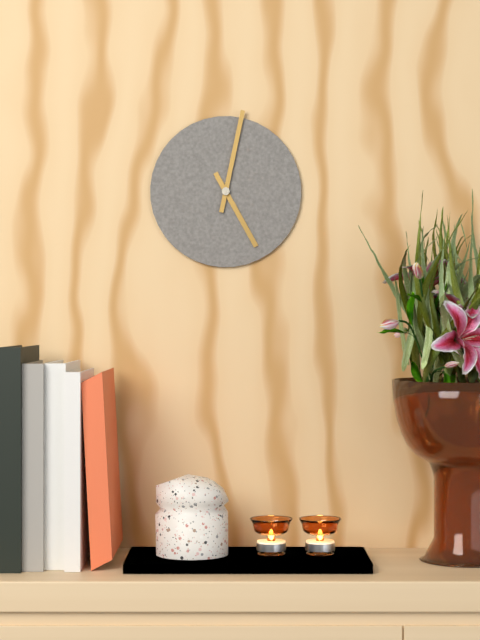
5:02
